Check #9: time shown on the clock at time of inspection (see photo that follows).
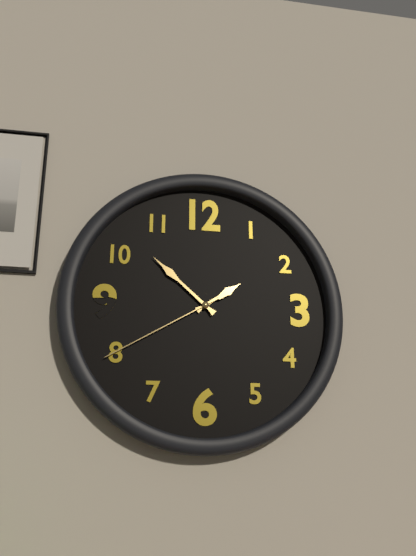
1:52:40
